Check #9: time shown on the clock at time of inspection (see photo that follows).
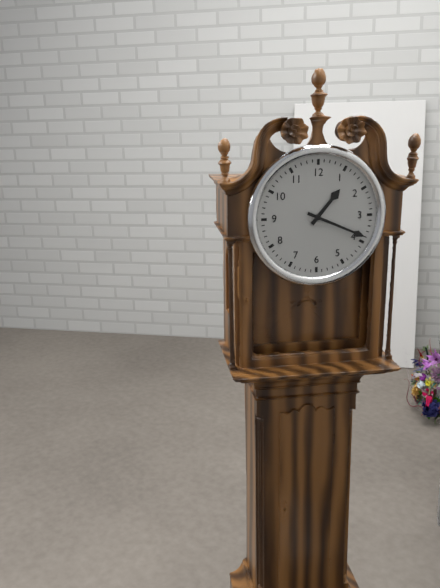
1:19
